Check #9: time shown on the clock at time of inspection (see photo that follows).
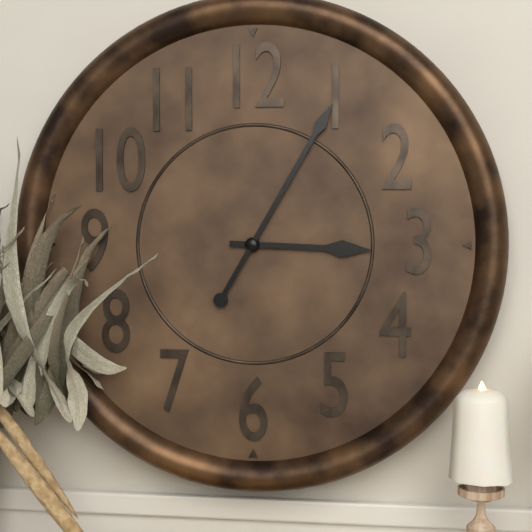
3:05
